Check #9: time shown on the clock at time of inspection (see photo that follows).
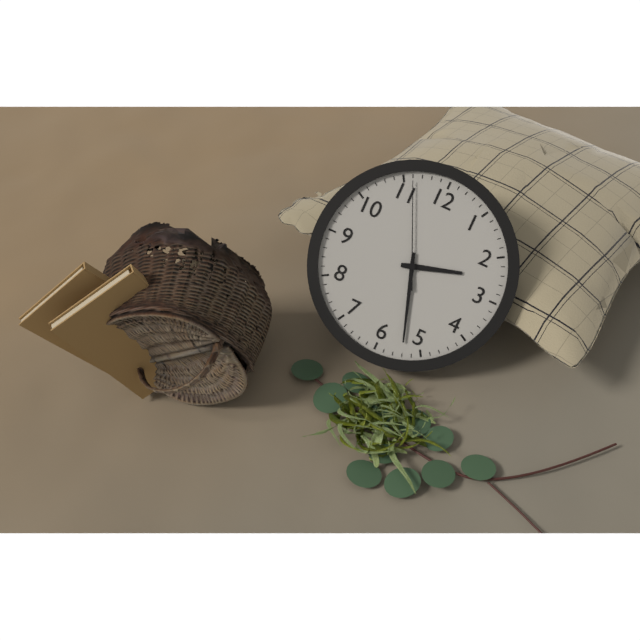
2:27:56
